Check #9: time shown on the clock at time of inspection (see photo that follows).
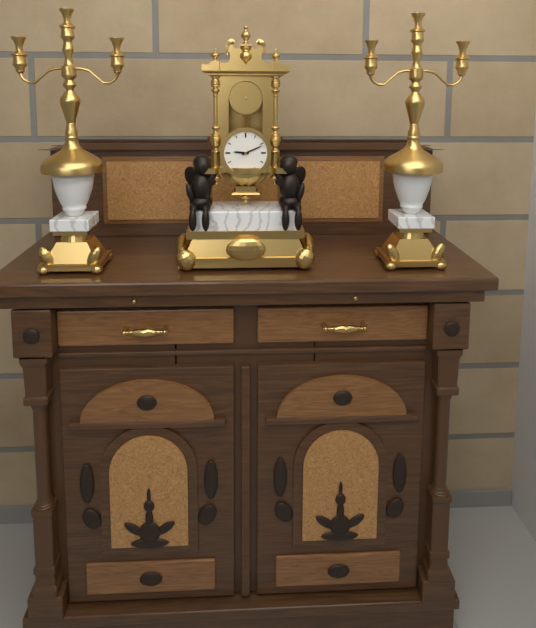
9:11
